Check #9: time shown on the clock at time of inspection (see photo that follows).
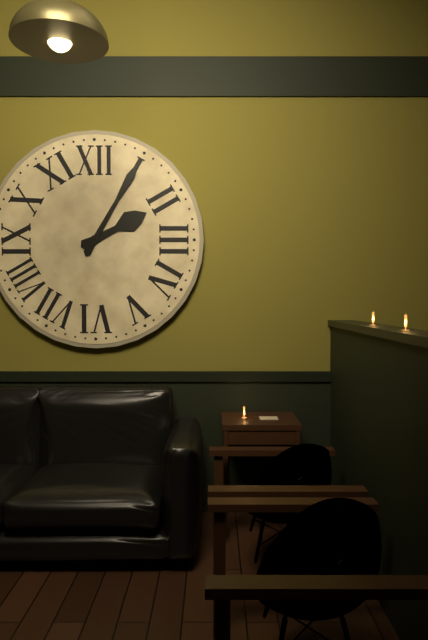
2:05
